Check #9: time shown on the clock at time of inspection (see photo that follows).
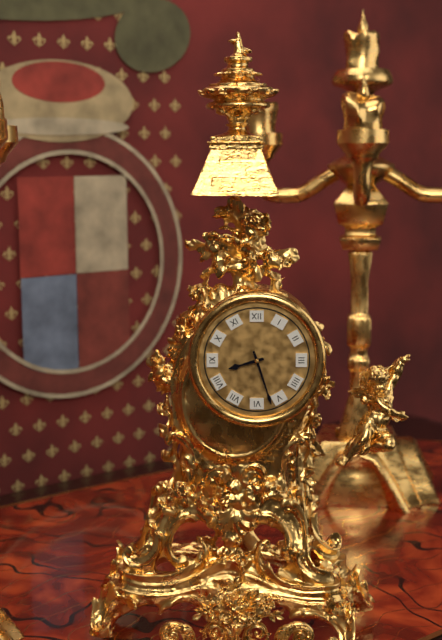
8:27
